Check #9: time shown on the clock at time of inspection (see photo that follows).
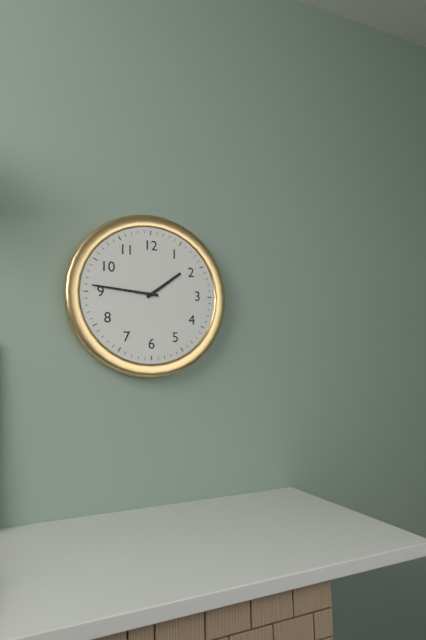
1:46
